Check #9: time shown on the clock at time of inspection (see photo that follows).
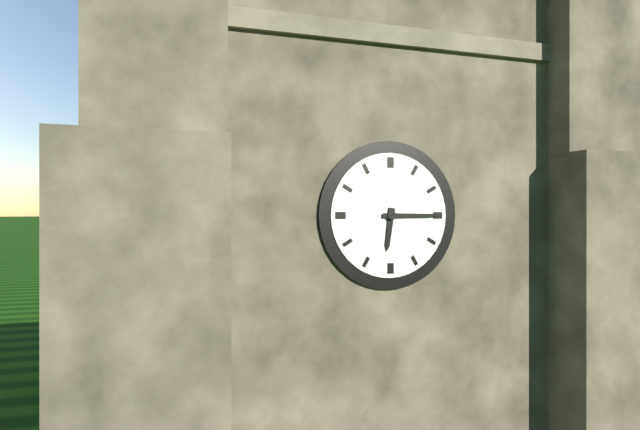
6:15
